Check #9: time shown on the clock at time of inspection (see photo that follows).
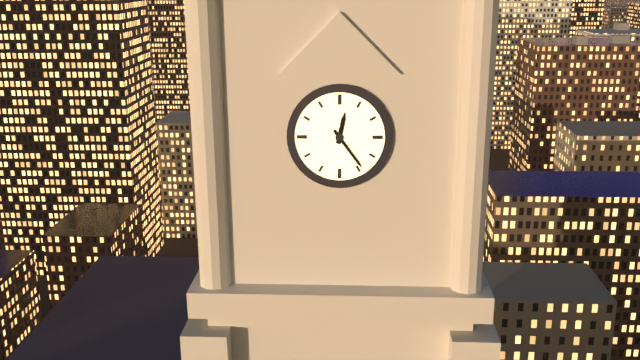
12:24
